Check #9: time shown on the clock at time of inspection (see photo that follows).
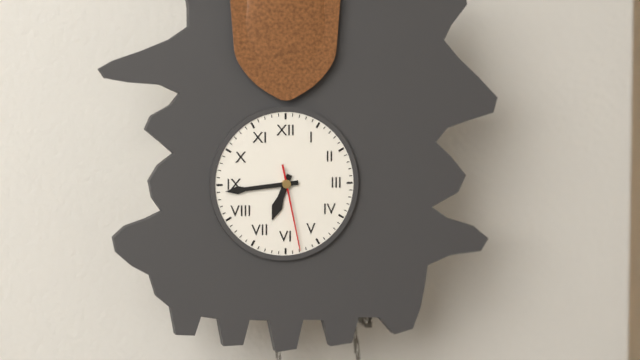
6:44:28
